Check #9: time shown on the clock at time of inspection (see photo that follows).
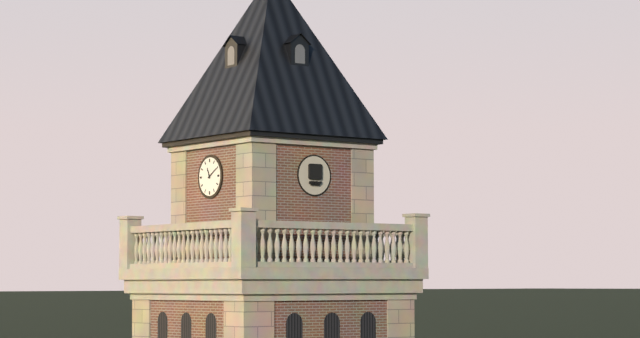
11:10
